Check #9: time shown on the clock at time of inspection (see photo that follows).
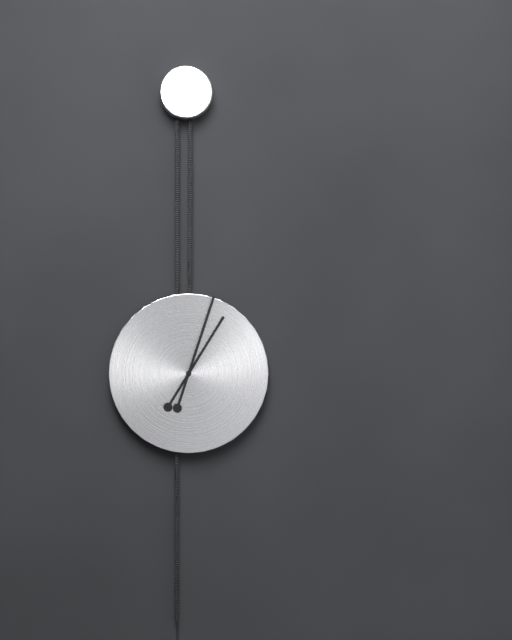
1:03
